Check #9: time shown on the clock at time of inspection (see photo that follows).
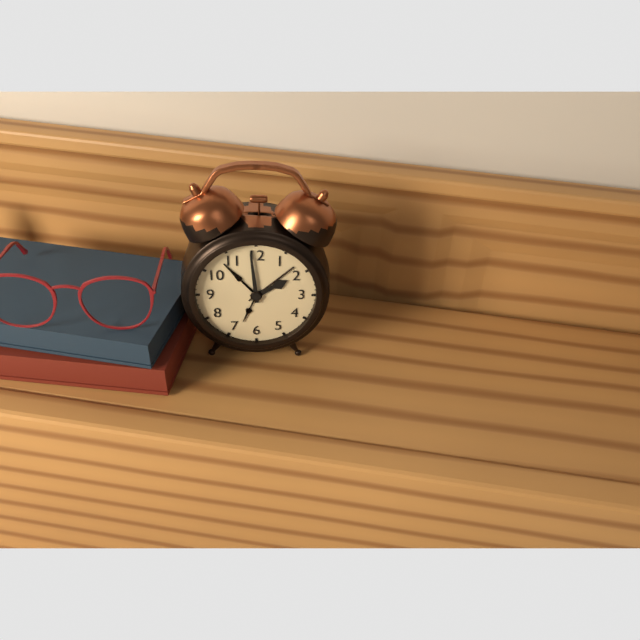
1:59
